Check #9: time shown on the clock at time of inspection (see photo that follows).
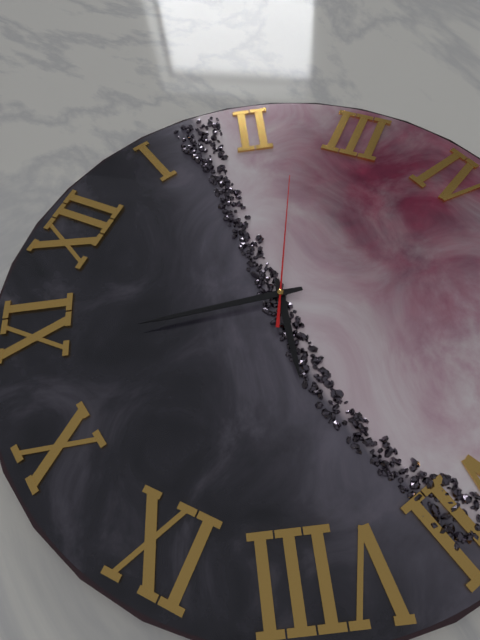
7:54:12
